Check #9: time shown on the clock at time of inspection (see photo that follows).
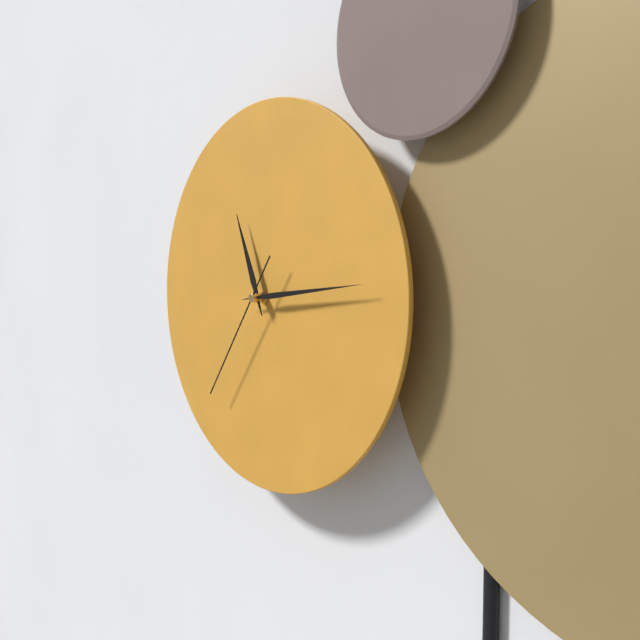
11:14:36
